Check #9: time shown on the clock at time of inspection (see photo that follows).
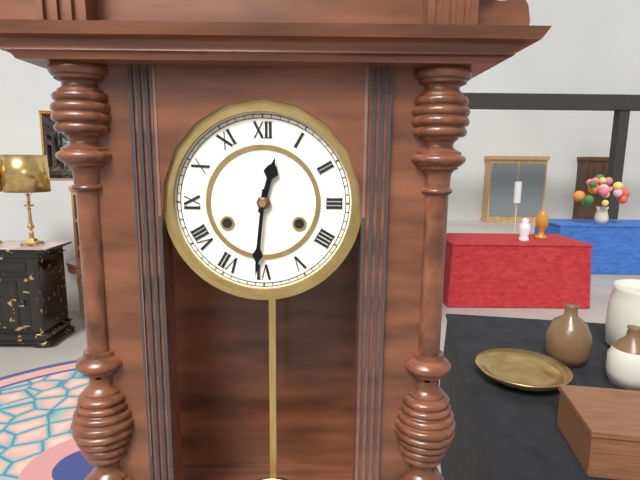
12:31
